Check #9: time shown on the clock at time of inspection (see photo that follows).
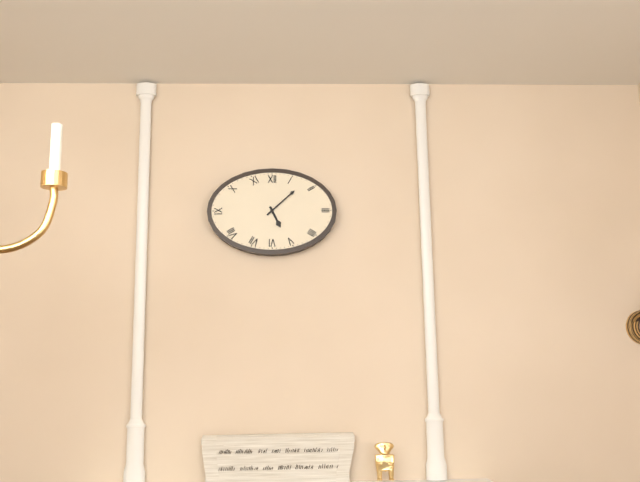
5:08
